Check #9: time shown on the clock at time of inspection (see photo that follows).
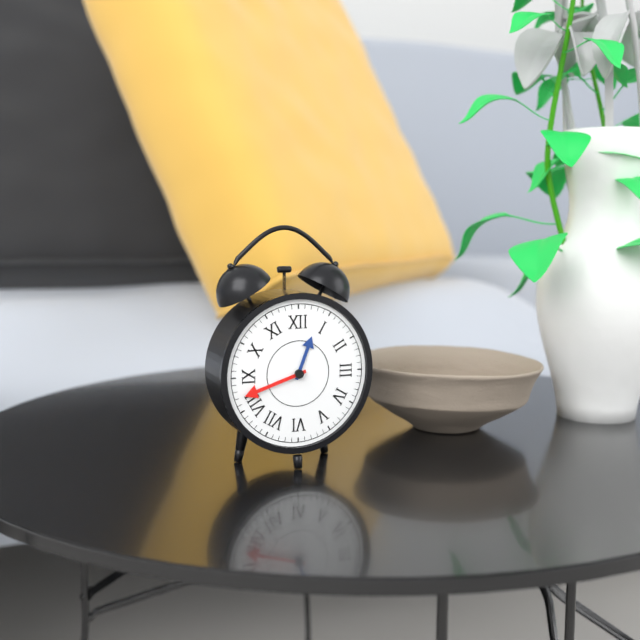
12:42
